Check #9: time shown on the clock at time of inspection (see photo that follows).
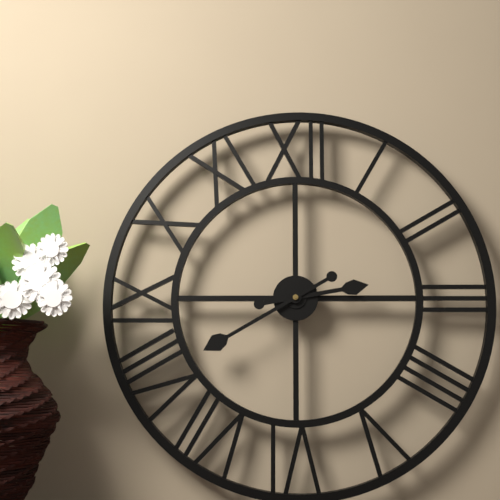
2:40
